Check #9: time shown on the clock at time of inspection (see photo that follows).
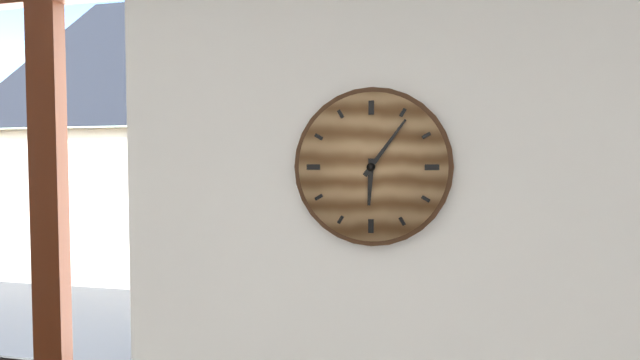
6:06
